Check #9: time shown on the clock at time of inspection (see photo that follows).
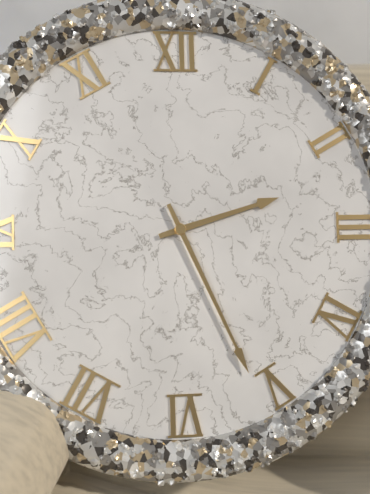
2:26
